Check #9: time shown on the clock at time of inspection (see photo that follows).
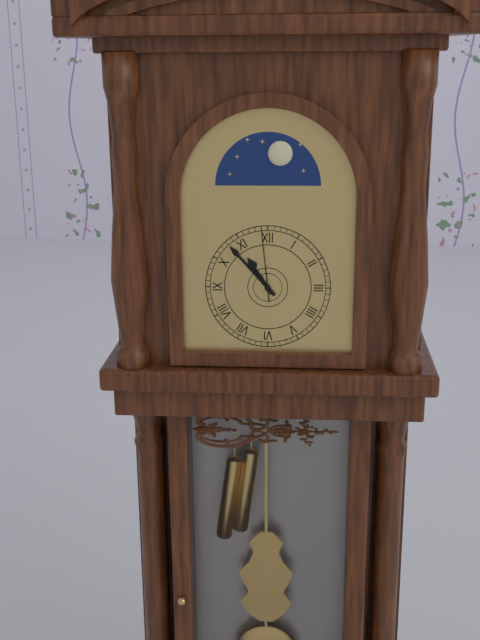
10:53:59
